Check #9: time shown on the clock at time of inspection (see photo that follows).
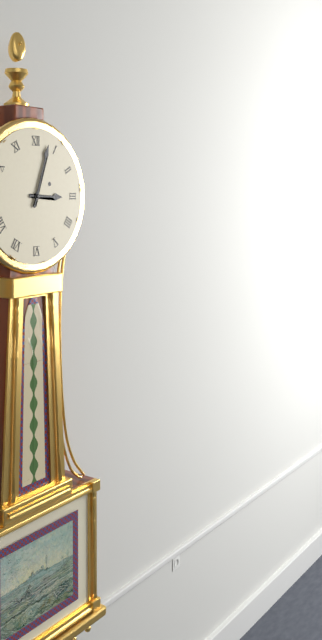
3:03
